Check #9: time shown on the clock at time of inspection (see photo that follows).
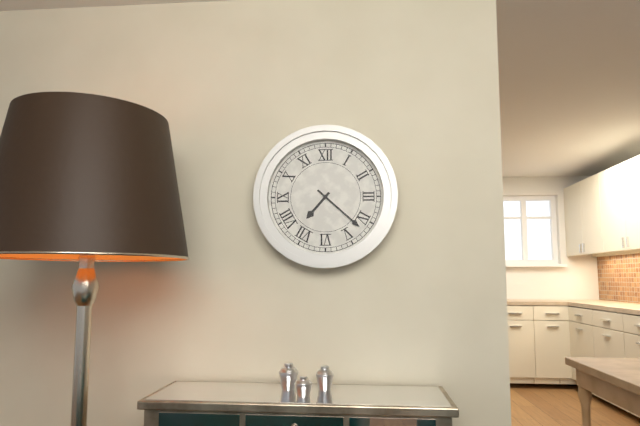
7:22
